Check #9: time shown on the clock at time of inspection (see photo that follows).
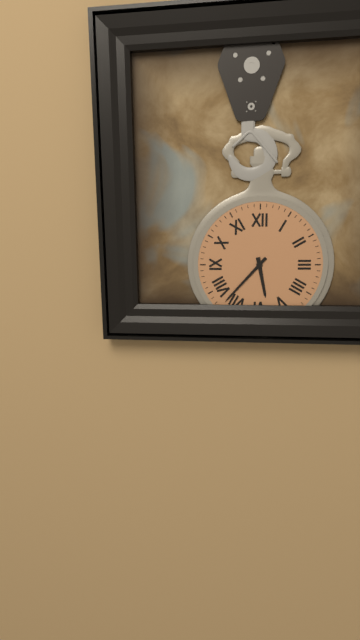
5:37
